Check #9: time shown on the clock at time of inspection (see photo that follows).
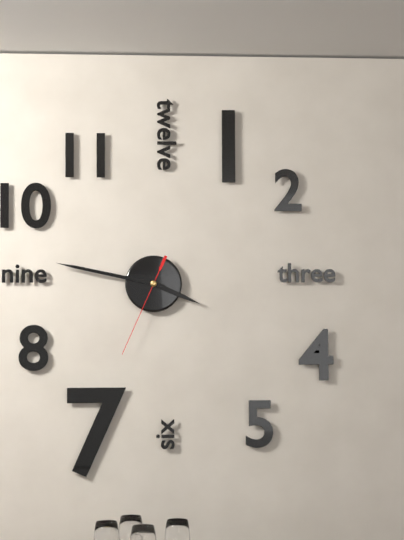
3:47:34
